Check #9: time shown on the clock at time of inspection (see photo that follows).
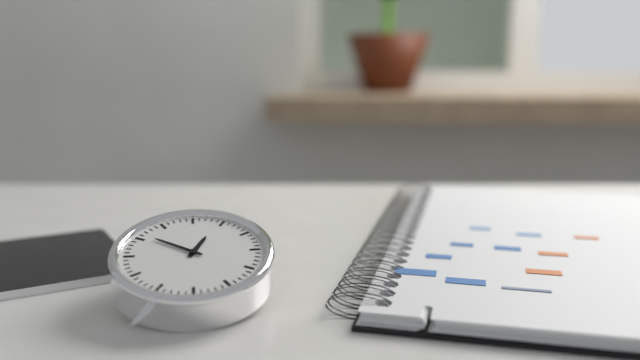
12:51
